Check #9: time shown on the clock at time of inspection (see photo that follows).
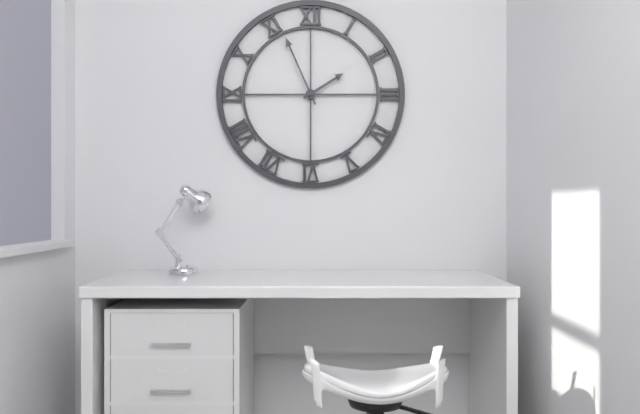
1:56
